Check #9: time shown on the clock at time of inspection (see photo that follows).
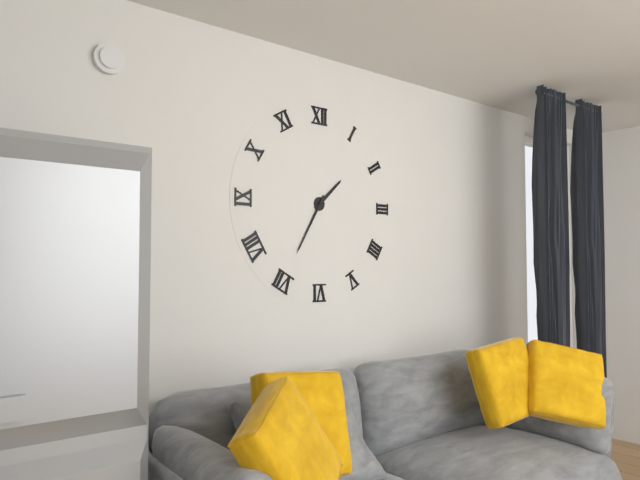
1:35
